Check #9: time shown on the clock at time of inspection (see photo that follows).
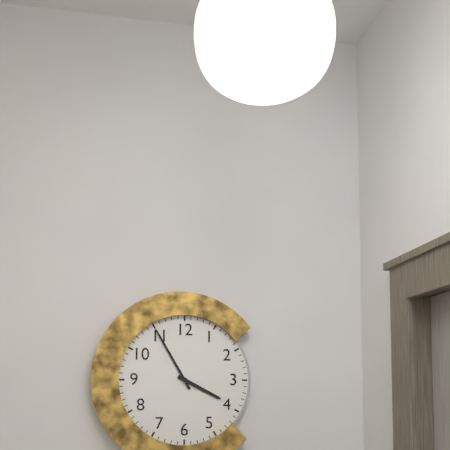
3:55
